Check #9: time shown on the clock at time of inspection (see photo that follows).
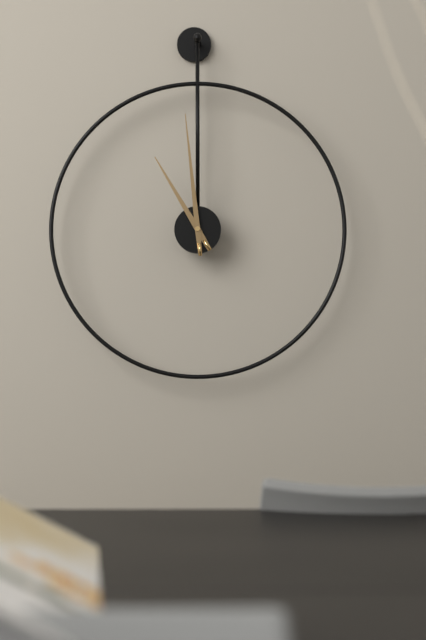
10:59
